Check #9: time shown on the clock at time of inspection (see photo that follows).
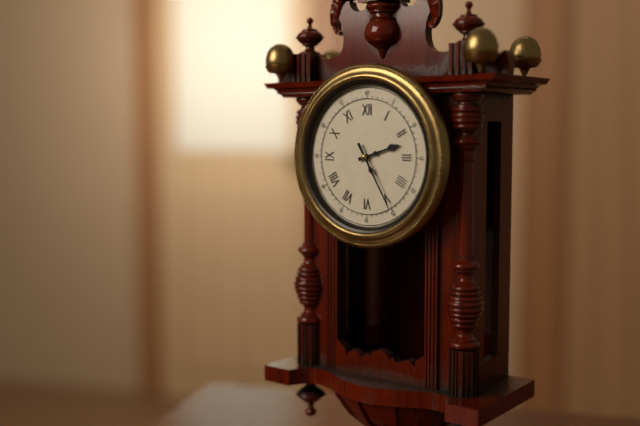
2:25
